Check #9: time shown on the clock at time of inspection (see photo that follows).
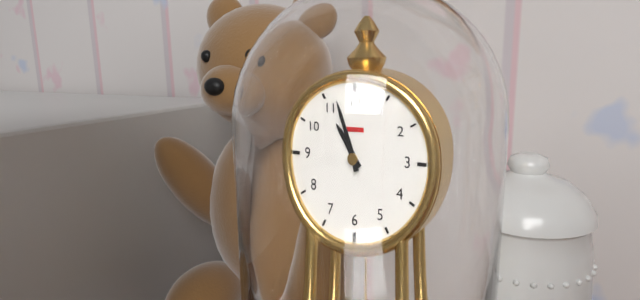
10:57
